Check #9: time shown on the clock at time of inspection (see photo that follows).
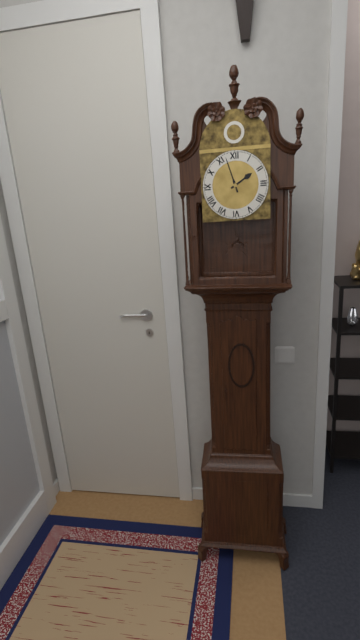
1:57
